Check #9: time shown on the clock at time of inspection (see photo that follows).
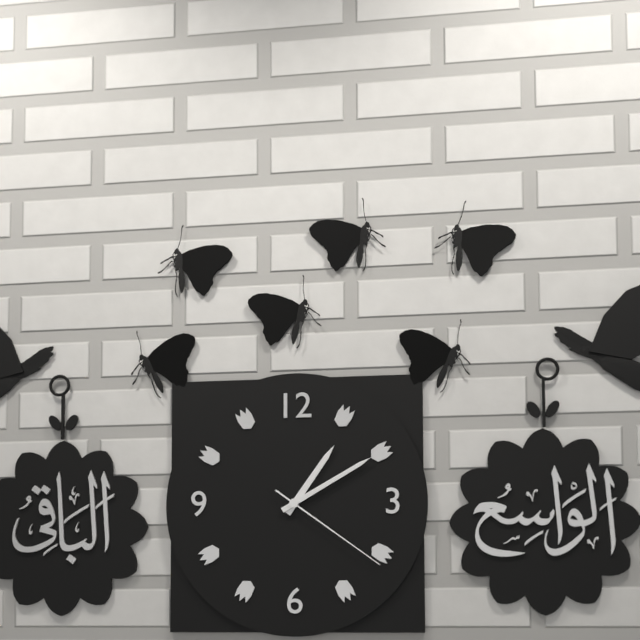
1:10:21
